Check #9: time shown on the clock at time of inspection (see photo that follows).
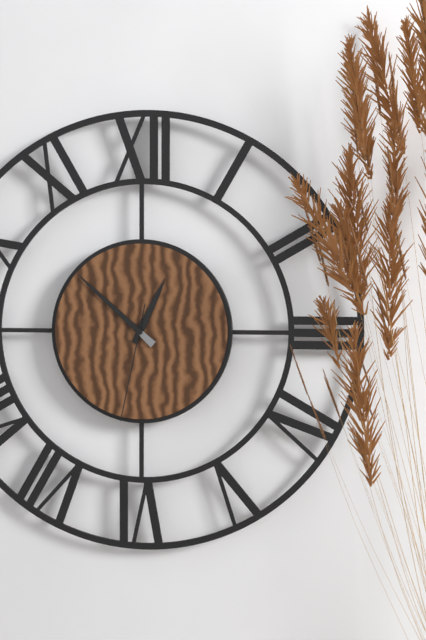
12:52:32
